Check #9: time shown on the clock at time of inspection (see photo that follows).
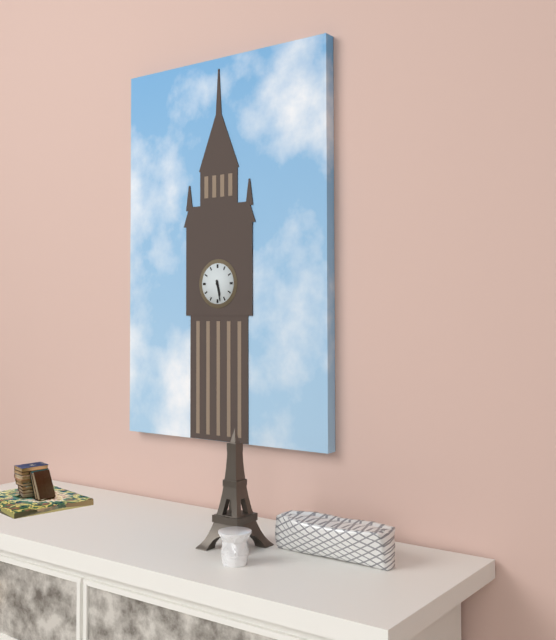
5:28
